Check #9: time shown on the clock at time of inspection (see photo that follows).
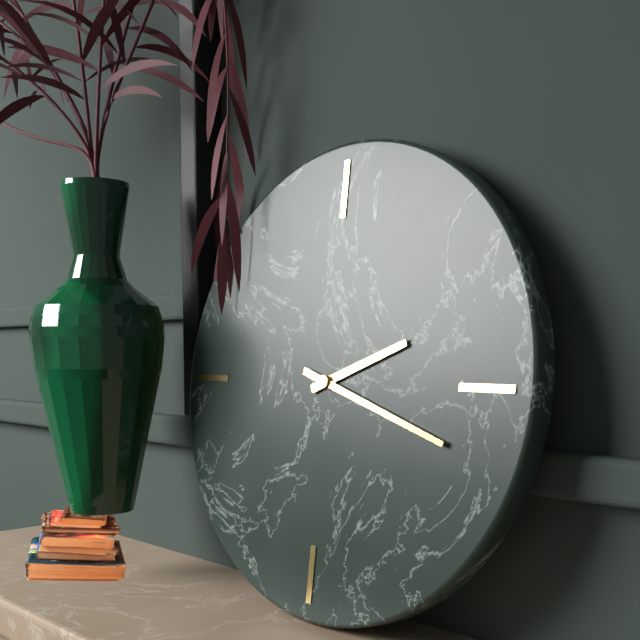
2:18
